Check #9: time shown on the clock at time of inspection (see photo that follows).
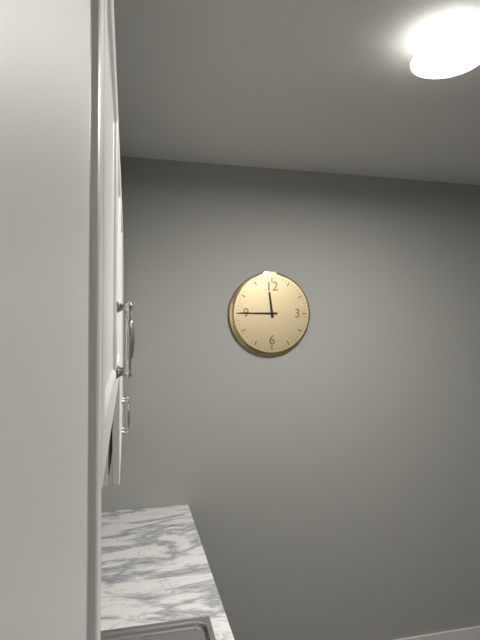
11:45
